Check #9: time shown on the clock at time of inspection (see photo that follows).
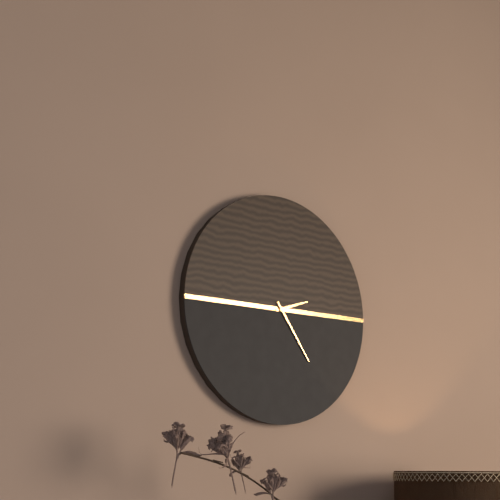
2:24
